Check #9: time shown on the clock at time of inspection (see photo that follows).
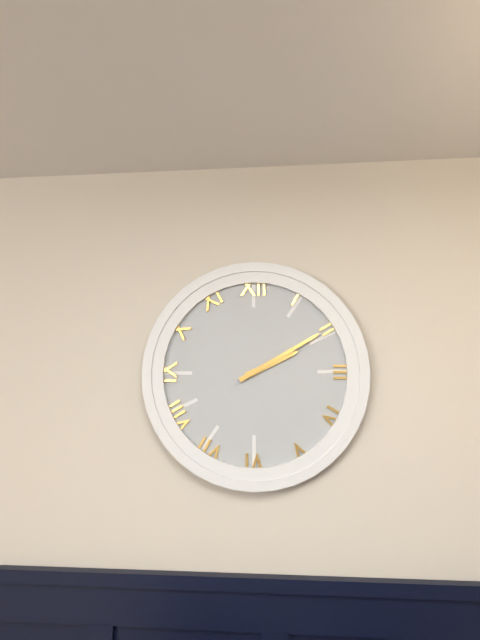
2:10
